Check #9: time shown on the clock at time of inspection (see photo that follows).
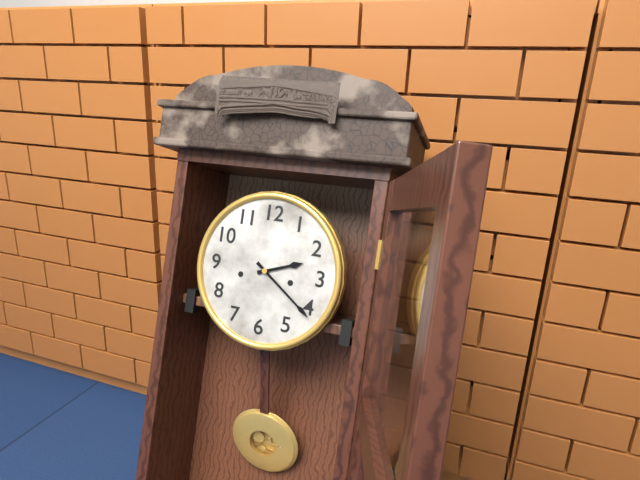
2:21
